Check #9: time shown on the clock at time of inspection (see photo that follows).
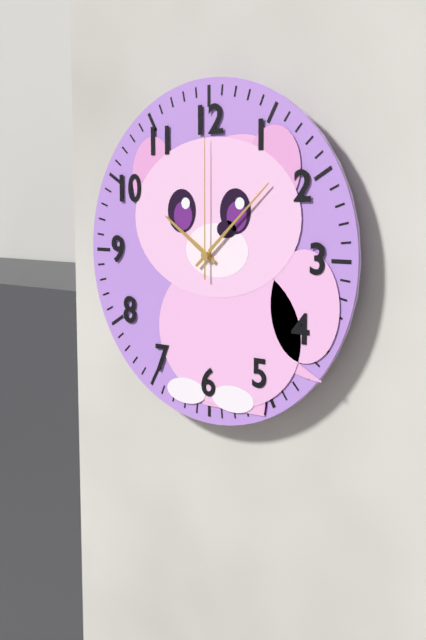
10:08:00
